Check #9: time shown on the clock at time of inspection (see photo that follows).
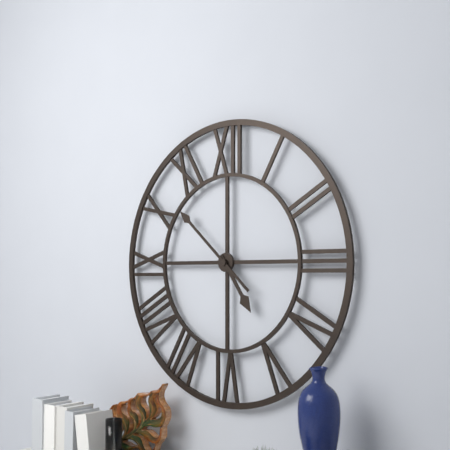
4:52
